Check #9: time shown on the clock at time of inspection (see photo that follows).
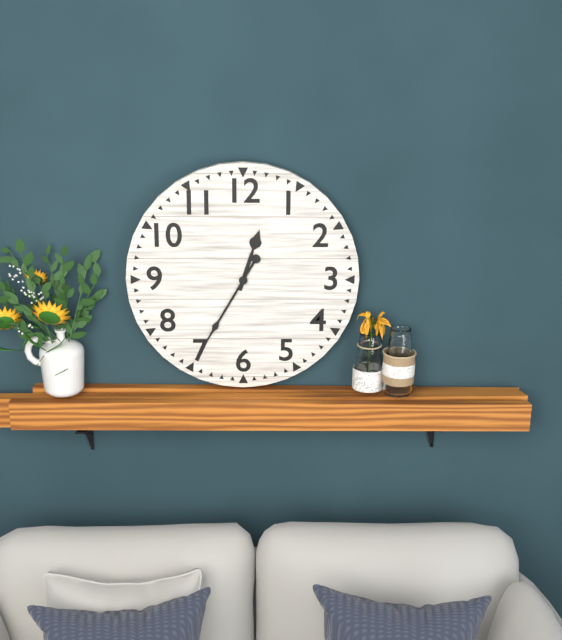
12:35
